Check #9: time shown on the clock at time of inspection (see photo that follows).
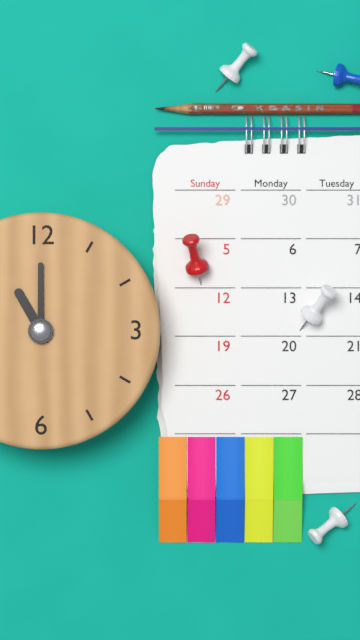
11:00
